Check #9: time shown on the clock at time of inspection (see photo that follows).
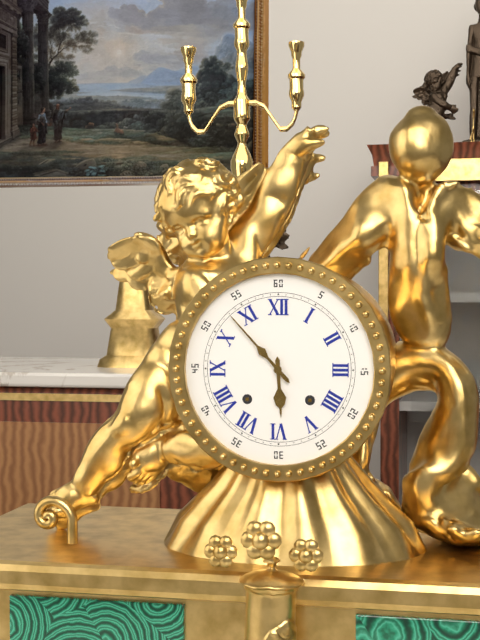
5:53
